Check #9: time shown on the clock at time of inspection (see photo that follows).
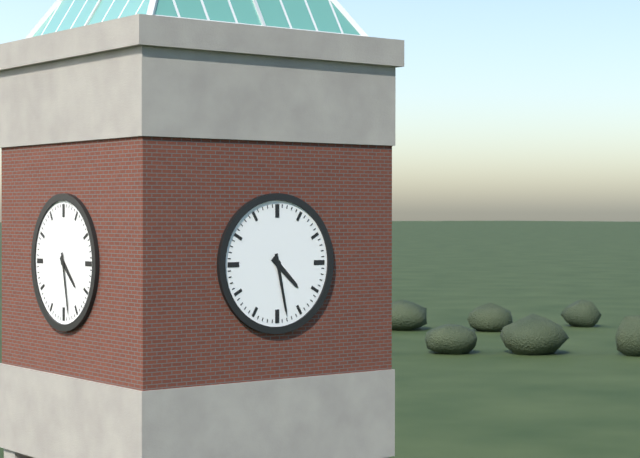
4:28
